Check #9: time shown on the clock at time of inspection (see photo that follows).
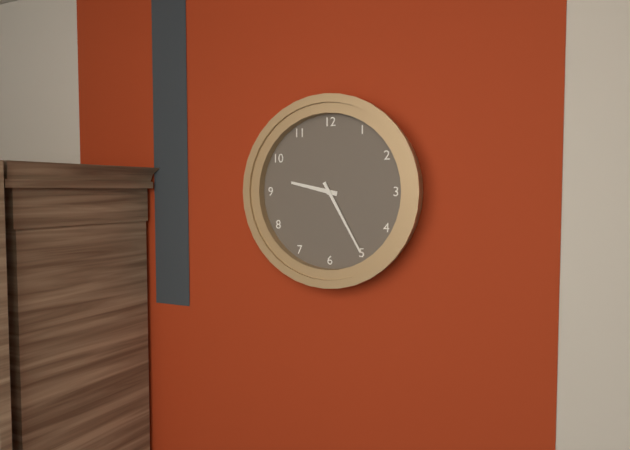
9:25
